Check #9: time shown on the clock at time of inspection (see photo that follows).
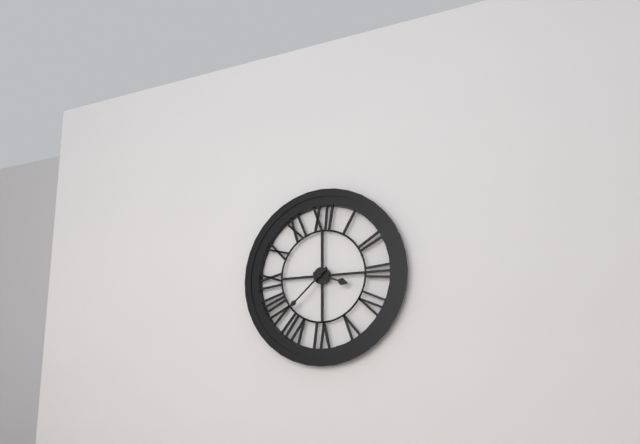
3:38
